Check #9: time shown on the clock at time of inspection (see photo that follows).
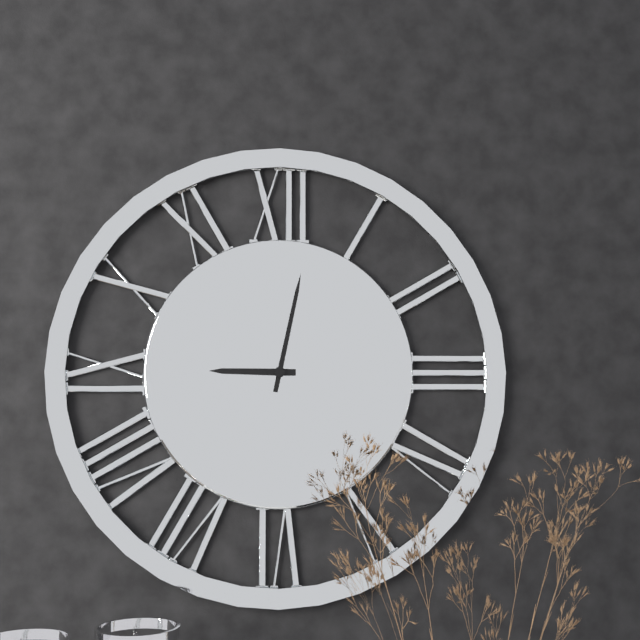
9:02
